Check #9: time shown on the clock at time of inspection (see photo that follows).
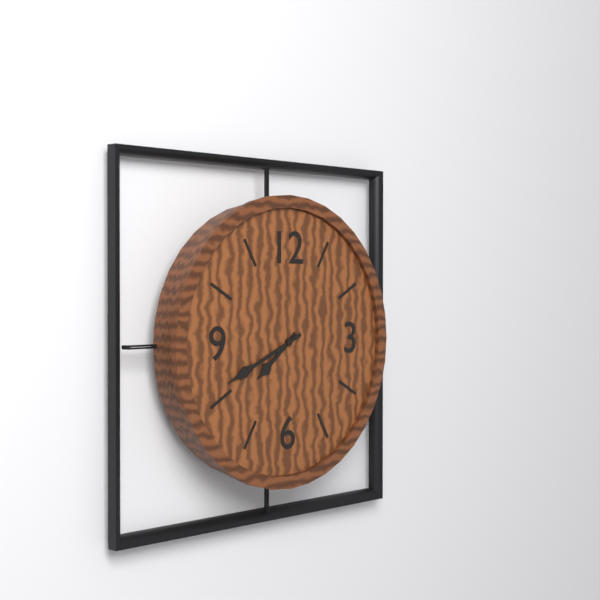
7:41
